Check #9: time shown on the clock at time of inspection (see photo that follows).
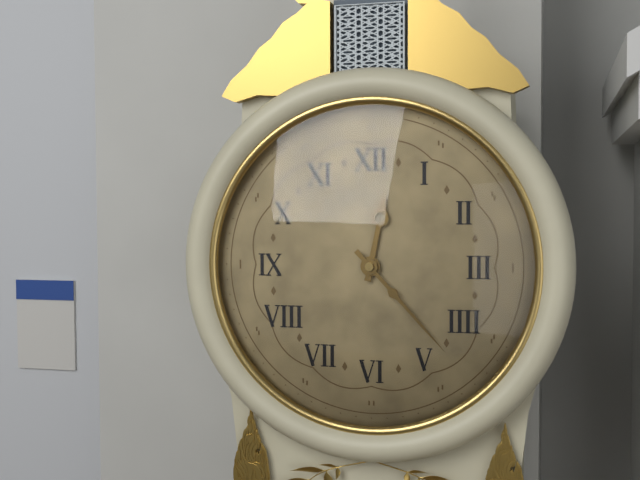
12:23
